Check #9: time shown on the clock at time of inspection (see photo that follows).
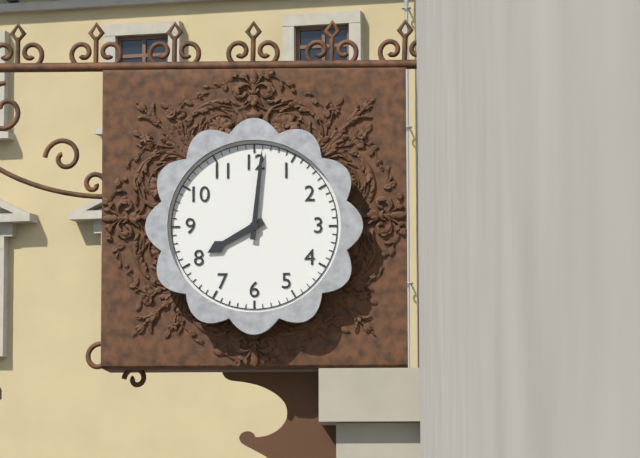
8:01
